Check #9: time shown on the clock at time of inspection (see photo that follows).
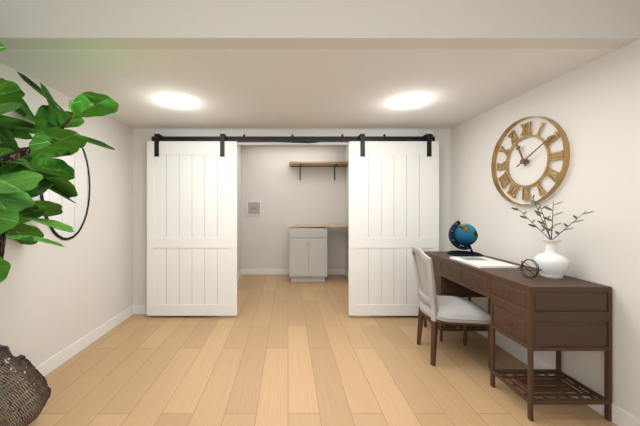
11:10
